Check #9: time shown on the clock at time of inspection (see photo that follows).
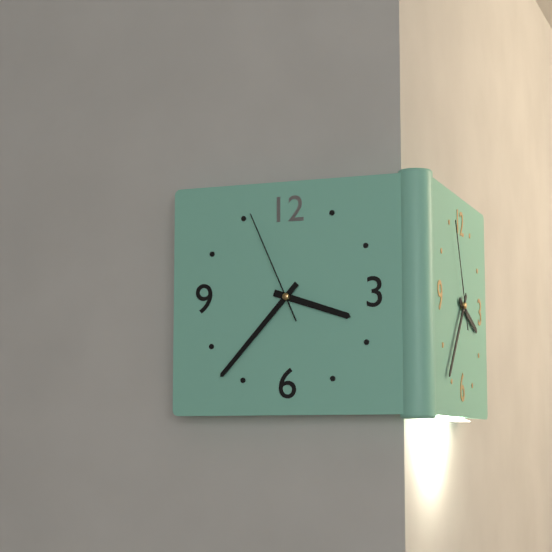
3:37:56
